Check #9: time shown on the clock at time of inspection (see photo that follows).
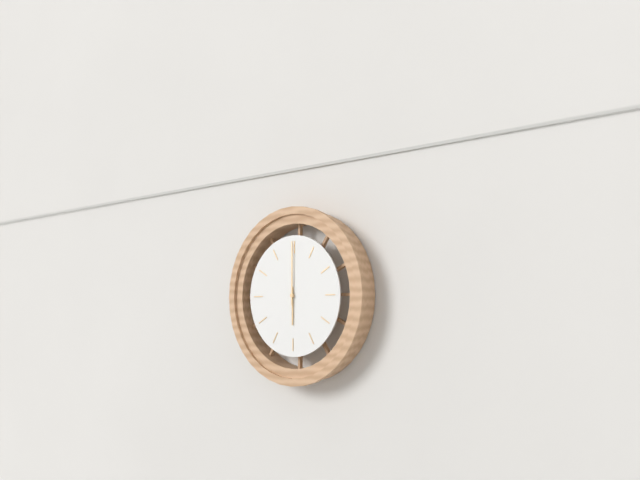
6:00
